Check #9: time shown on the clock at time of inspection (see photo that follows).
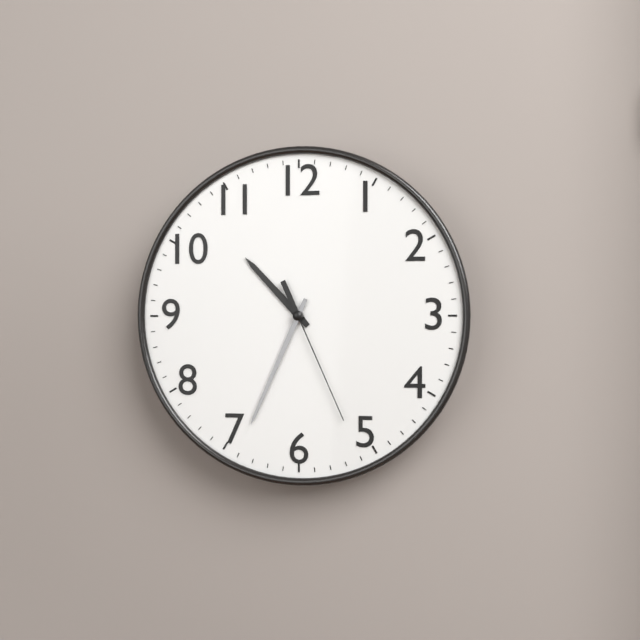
10:34:26
